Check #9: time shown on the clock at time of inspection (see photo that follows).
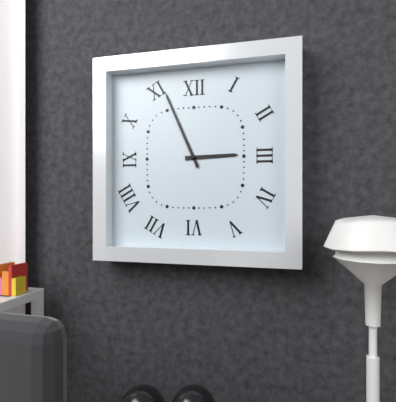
2:56
